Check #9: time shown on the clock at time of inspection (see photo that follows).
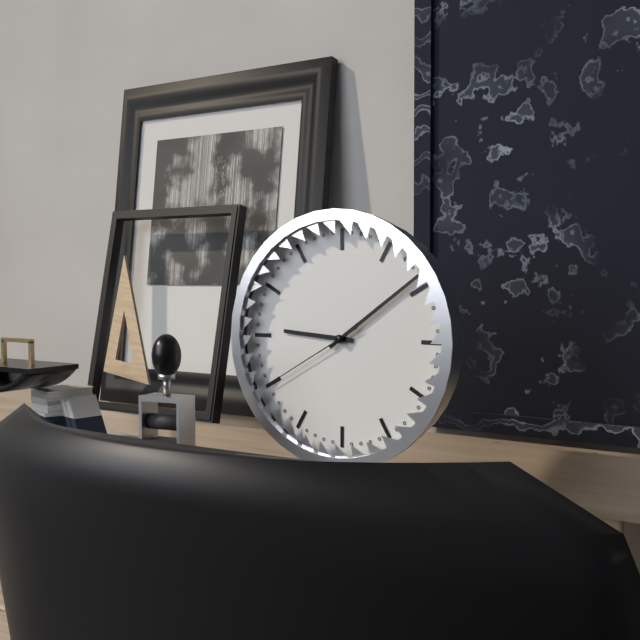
9:09:40
